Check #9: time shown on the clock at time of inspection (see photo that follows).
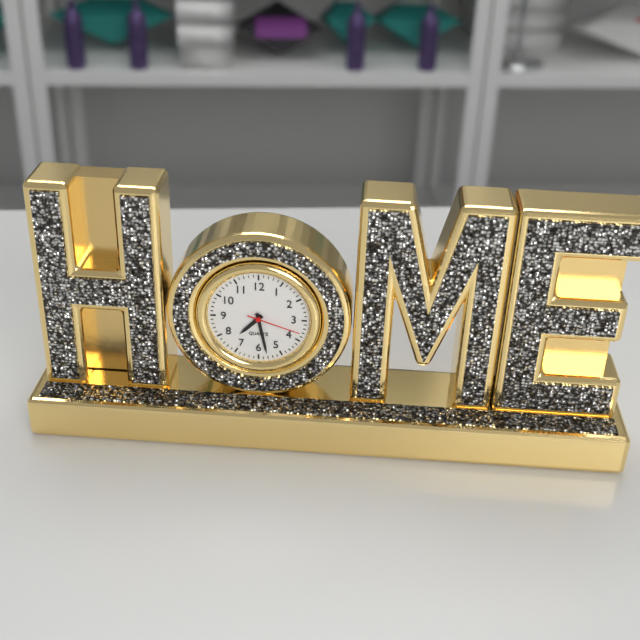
7:28:18
